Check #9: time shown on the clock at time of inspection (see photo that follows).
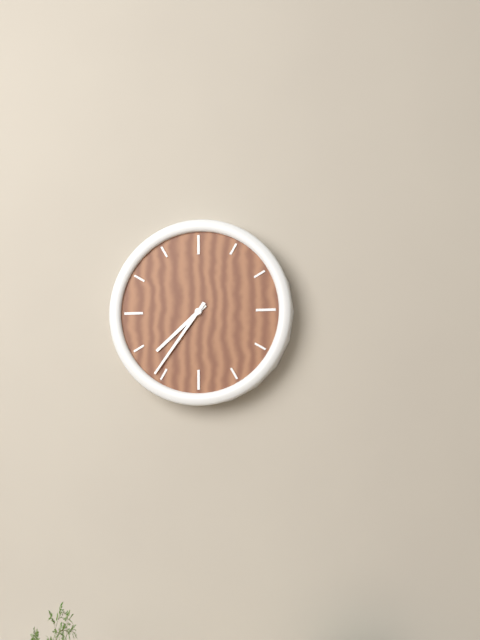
7:36
